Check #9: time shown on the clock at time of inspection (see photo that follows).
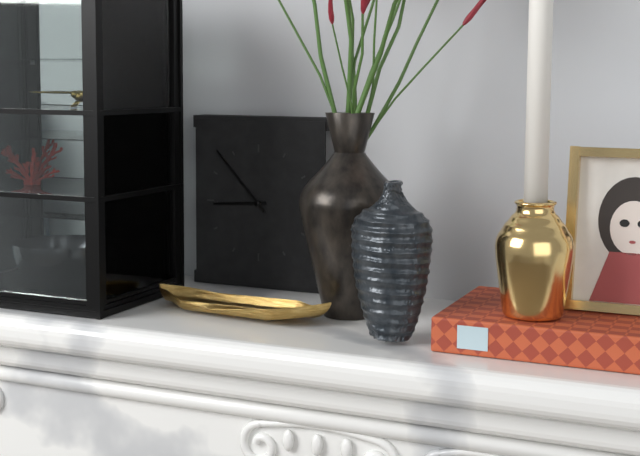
8:53
